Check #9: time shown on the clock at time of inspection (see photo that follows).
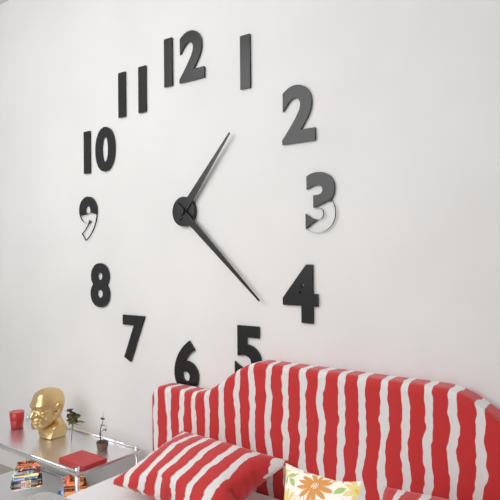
1:22
